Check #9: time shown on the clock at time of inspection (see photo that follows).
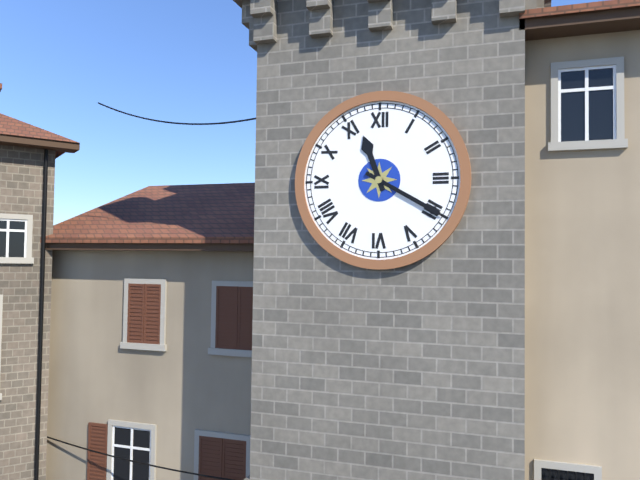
11:20
